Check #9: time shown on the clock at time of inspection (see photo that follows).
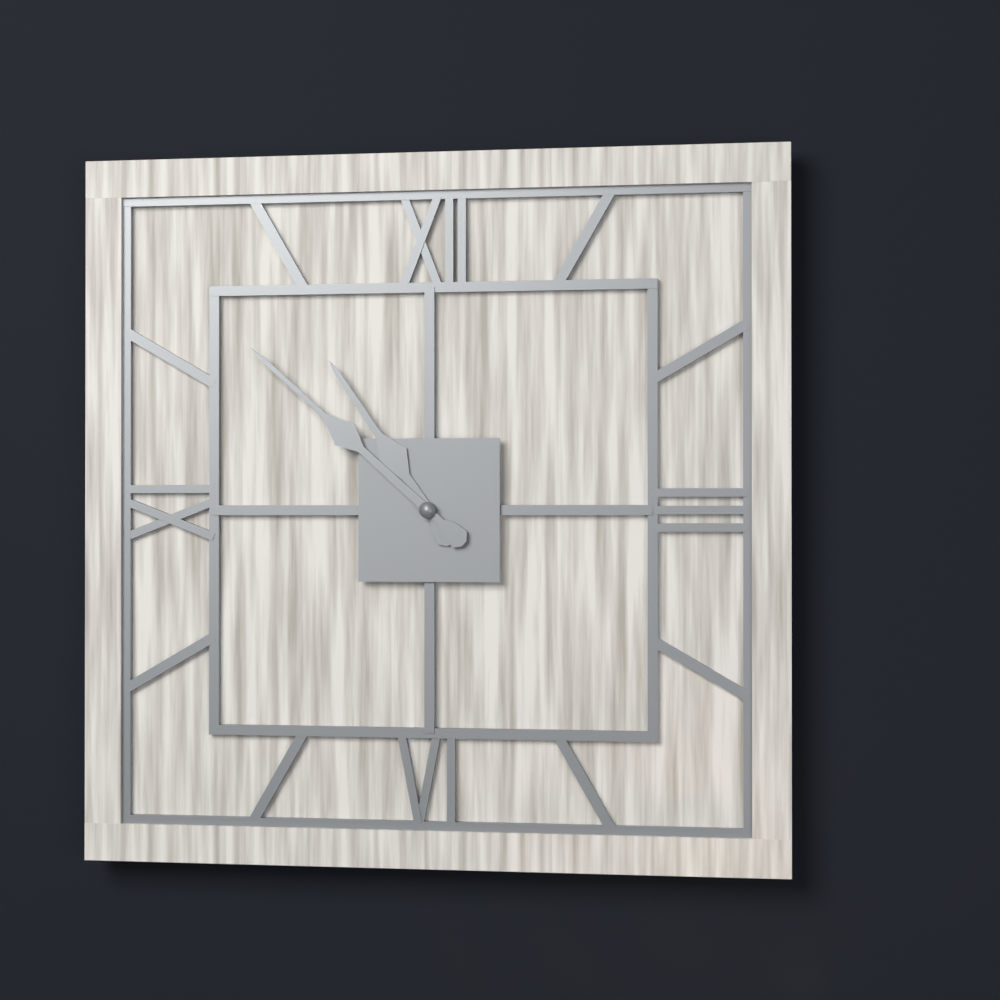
10:52
